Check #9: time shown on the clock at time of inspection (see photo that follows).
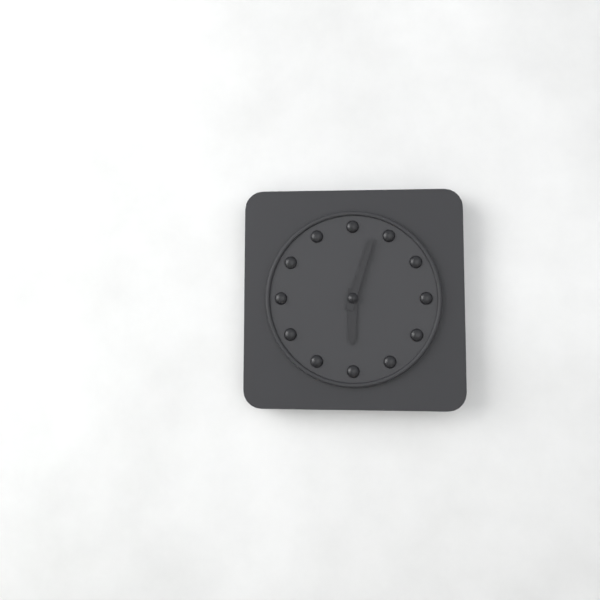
6:03
